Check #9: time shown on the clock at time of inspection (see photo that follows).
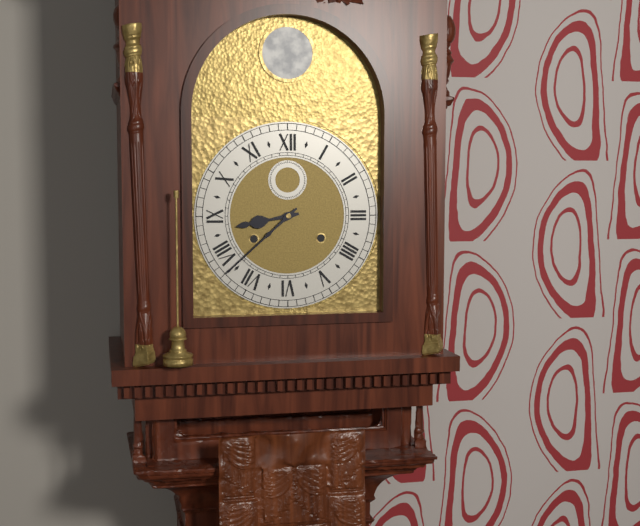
8:38
